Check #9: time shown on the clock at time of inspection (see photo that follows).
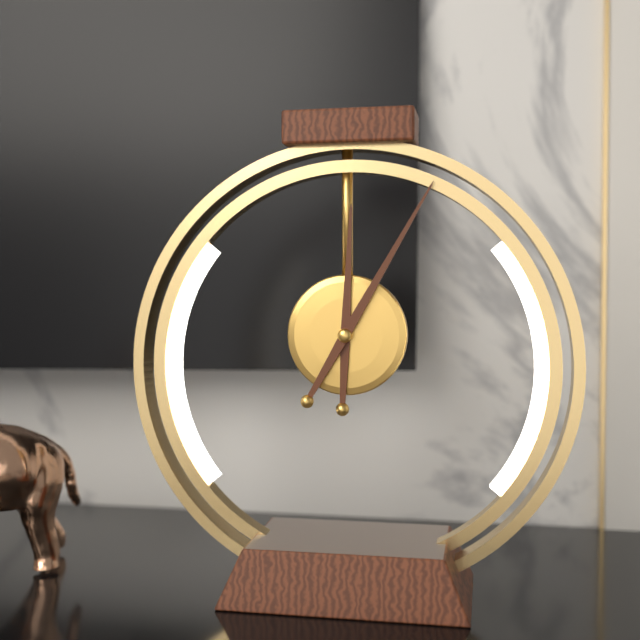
12:05
